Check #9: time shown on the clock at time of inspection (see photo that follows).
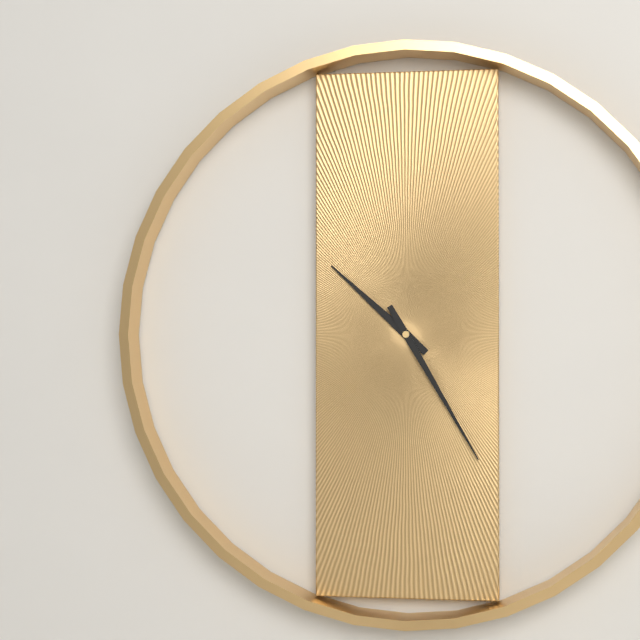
10:25
